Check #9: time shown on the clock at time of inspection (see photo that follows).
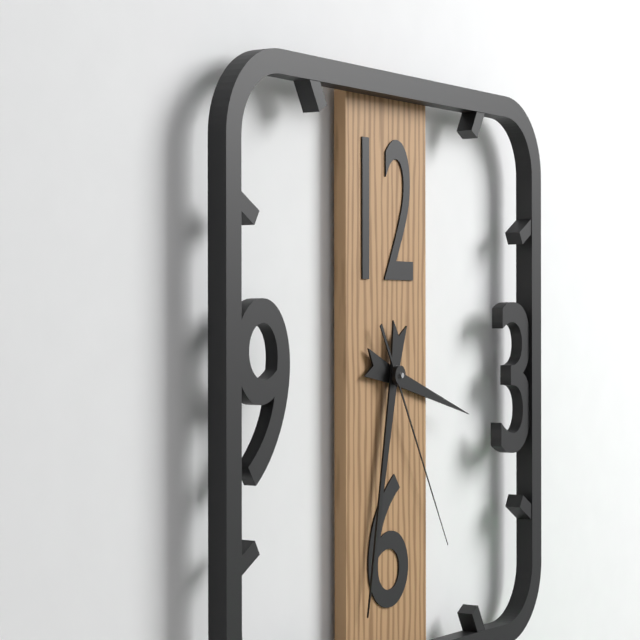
3:32:25
